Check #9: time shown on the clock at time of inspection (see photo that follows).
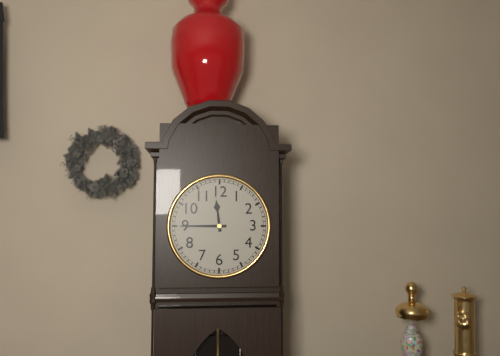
11:45
